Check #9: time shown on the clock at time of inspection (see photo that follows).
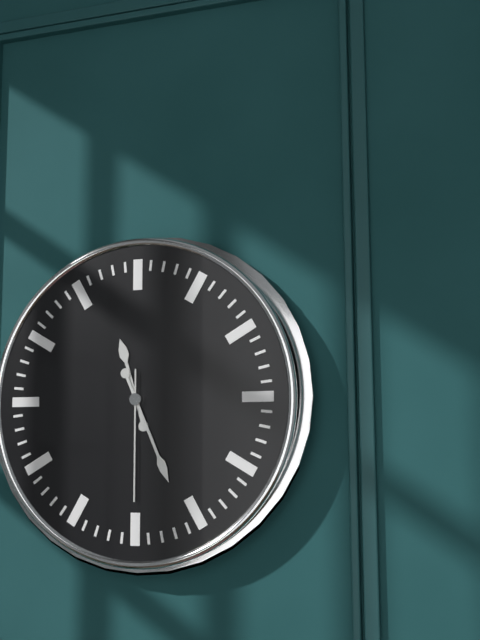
11:26:30
